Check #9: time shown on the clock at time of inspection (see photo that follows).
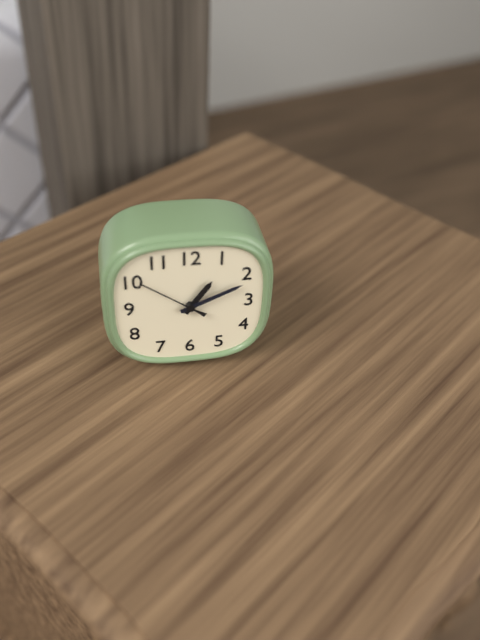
1:11:51
